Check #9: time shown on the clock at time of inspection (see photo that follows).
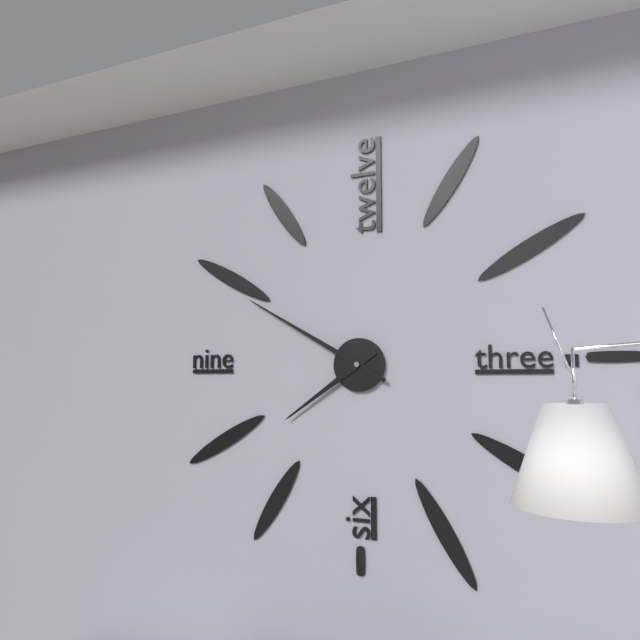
7:50
